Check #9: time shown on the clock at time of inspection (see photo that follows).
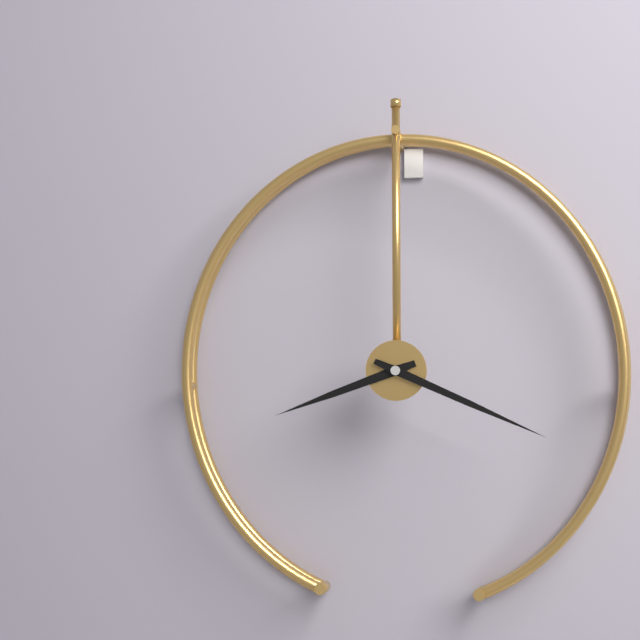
8:19
